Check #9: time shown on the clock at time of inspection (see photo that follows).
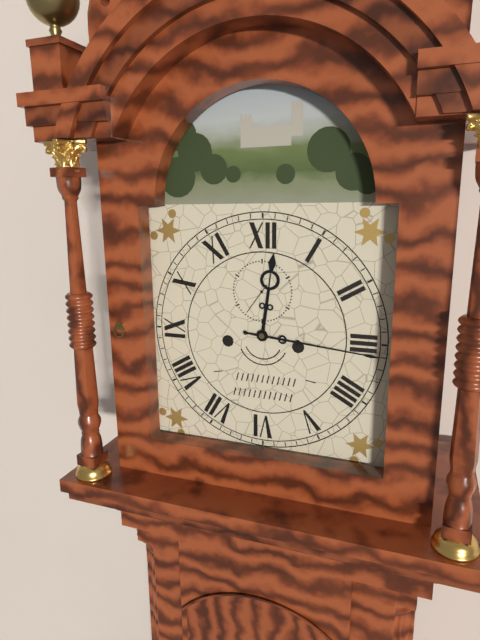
12:16
